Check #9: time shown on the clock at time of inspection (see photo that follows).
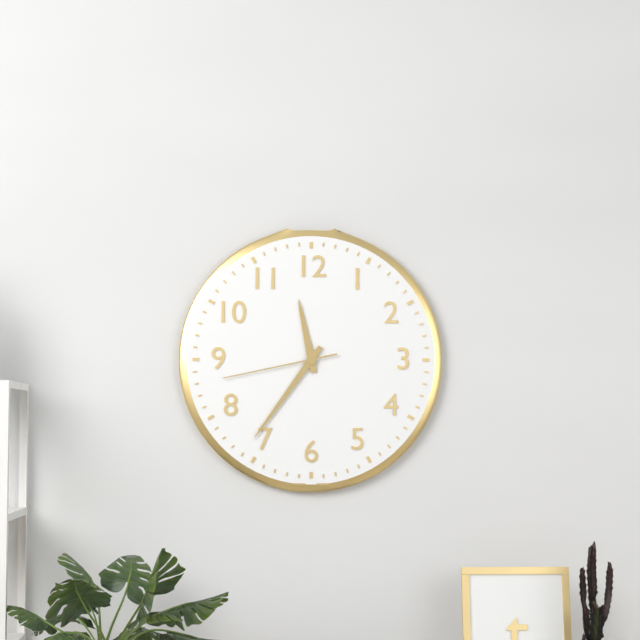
11:36:43
